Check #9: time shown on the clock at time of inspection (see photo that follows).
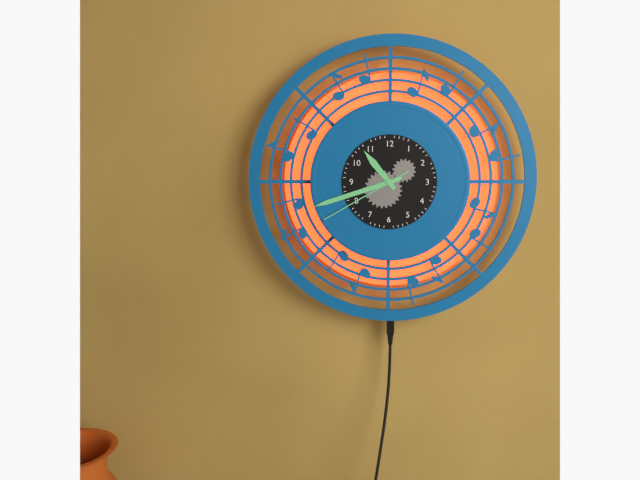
10:42:40
